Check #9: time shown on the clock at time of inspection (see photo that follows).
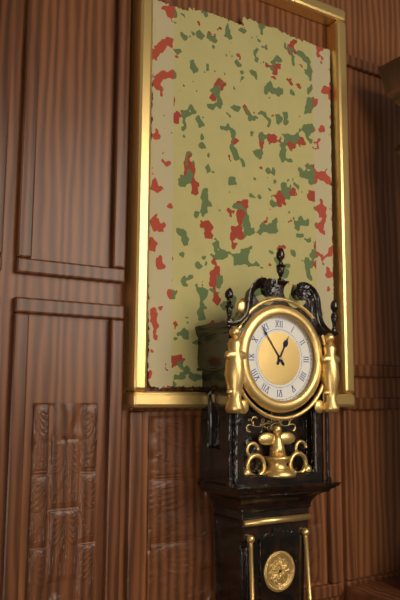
12:54
